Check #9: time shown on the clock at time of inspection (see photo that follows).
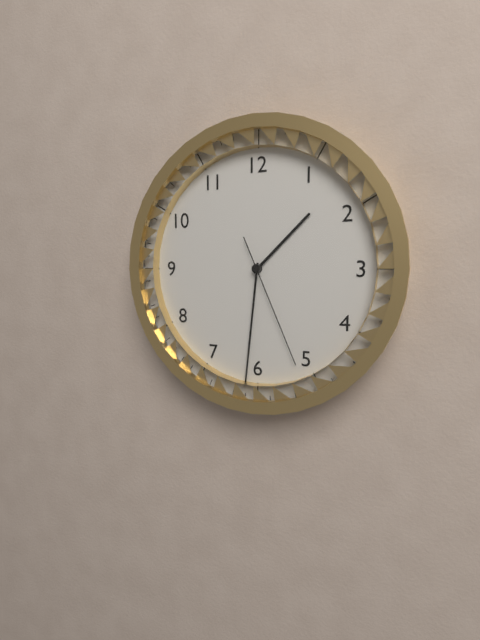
1:31:26
